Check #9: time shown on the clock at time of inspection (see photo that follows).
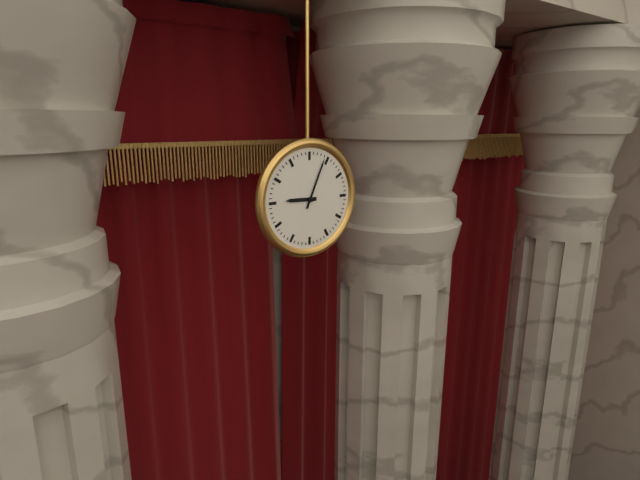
9:04
